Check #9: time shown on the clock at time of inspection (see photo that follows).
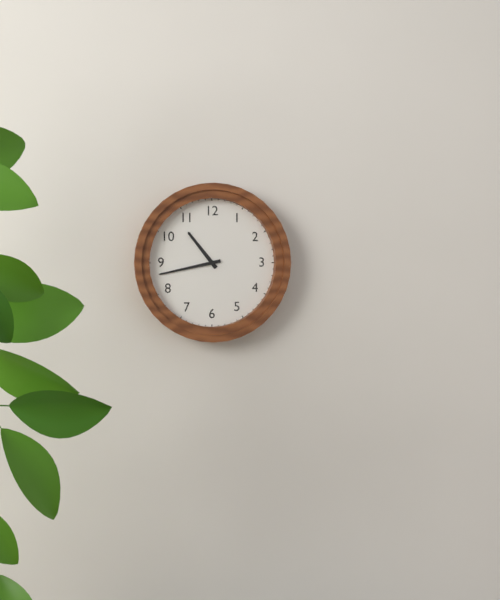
10:43
